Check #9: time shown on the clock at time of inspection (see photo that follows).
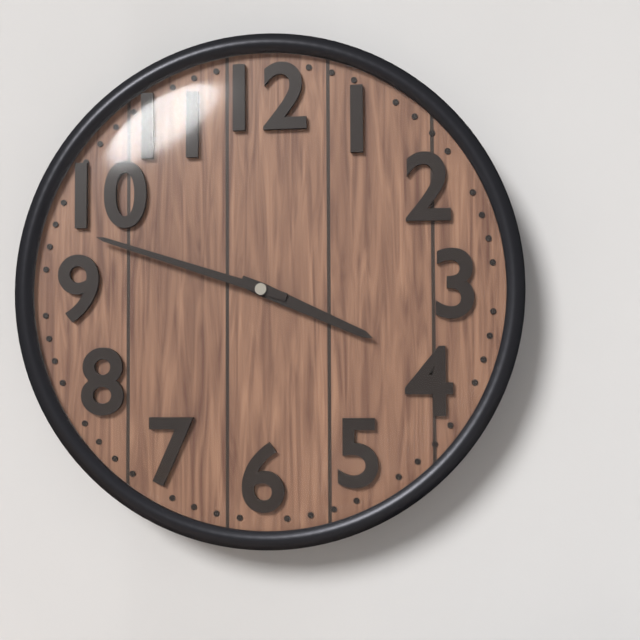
3:48
